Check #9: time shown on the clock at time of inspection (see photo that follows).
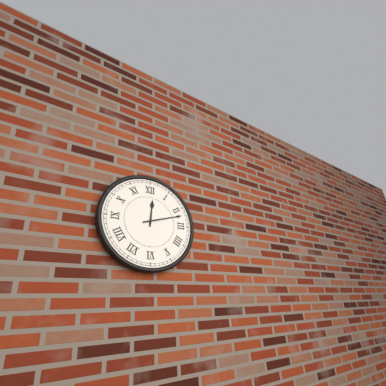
12:12
